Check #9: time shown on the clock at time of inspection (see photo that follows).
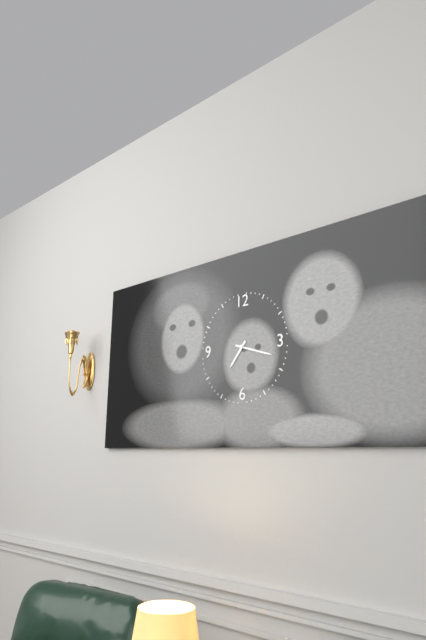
7:18
